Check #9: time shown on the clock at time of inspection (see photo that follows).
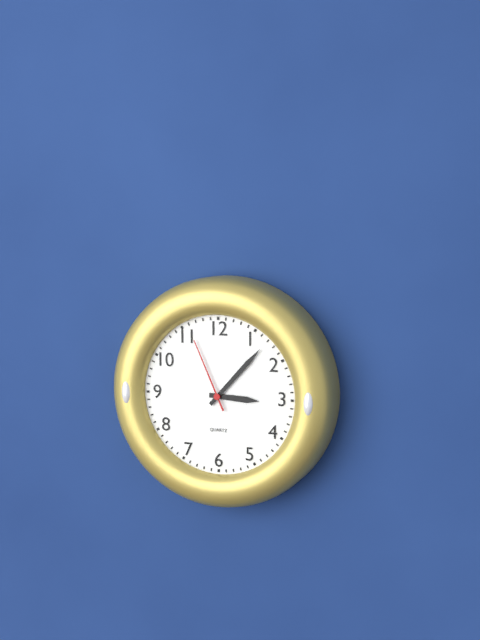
3:07:56
